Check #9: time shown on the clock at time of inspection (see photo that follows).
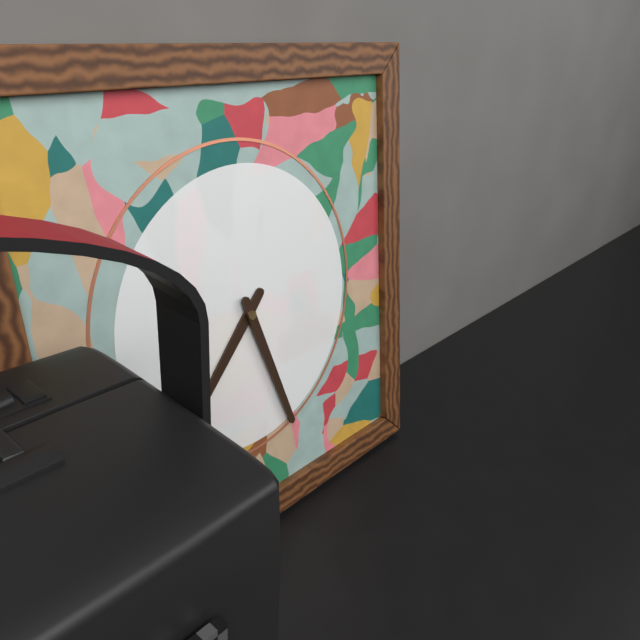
7:27
